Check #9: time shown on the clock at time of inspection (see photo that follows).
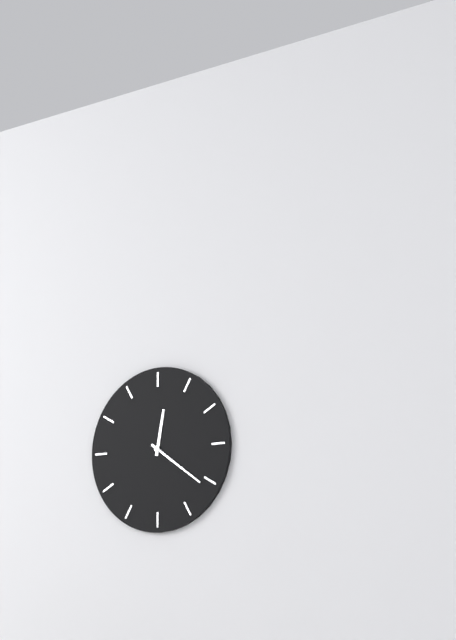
12:21
